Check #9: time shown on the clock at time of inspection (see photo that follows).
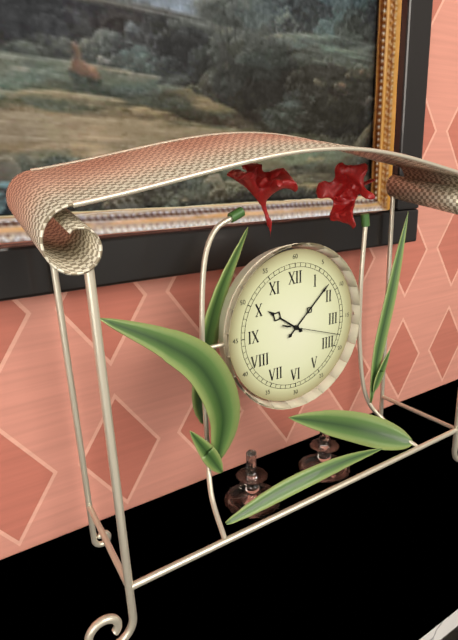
10:08:18
